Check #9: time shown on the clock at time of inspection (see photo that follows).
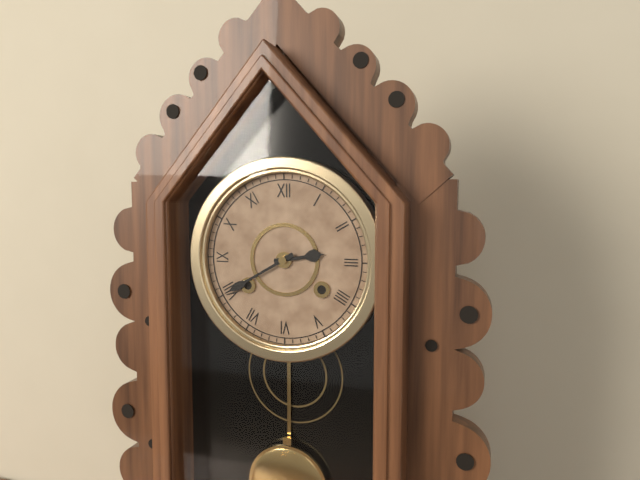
2:40
